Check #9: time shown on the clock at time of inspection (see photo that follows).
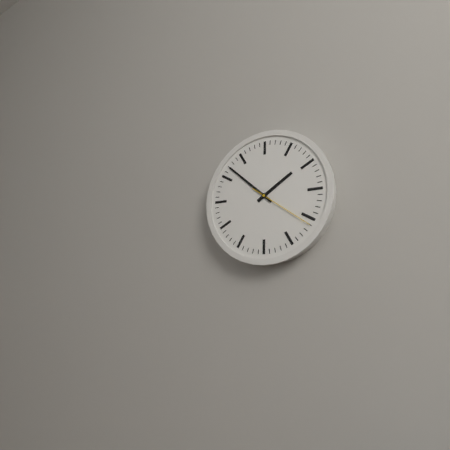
1:52:21
